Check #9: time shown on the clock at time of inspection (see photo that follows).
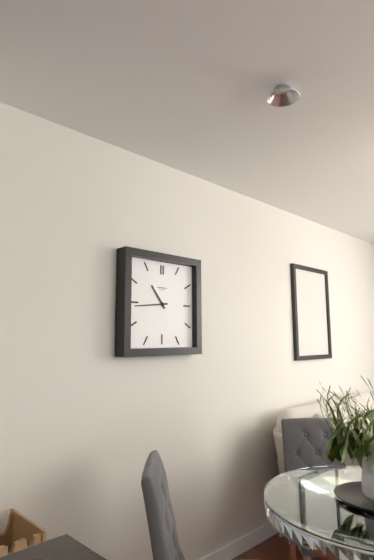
10:44
